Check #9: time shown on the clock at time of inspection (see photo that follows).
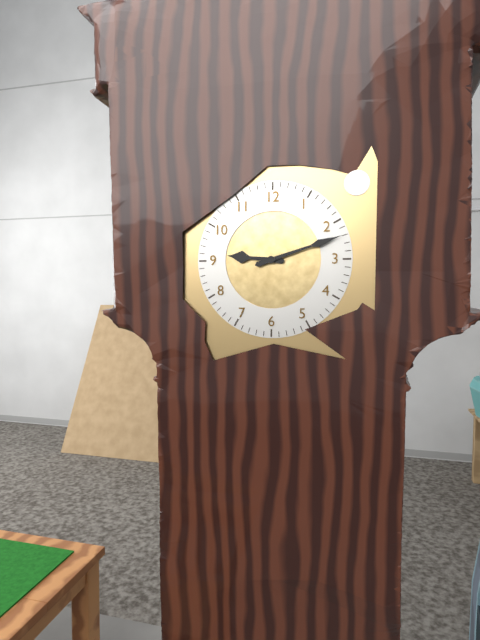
9:12
